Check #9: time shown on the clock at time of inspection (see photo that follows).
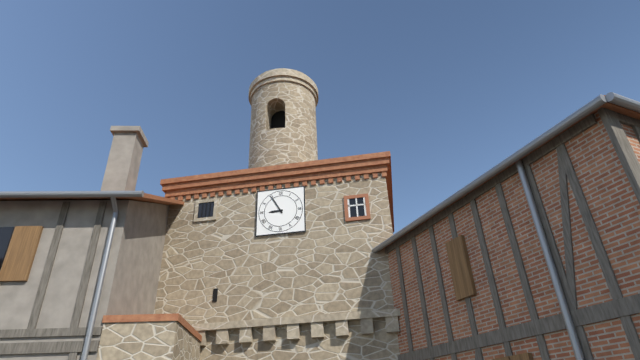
8:55
